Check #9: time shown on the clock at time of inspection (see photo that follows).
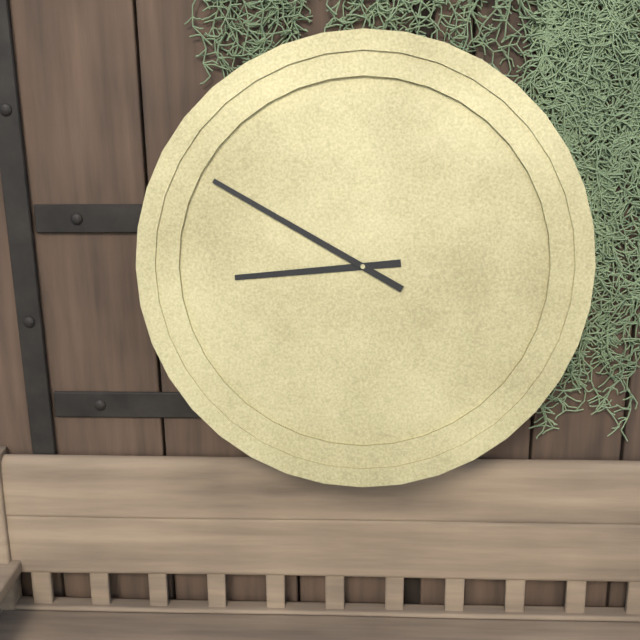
8:50
